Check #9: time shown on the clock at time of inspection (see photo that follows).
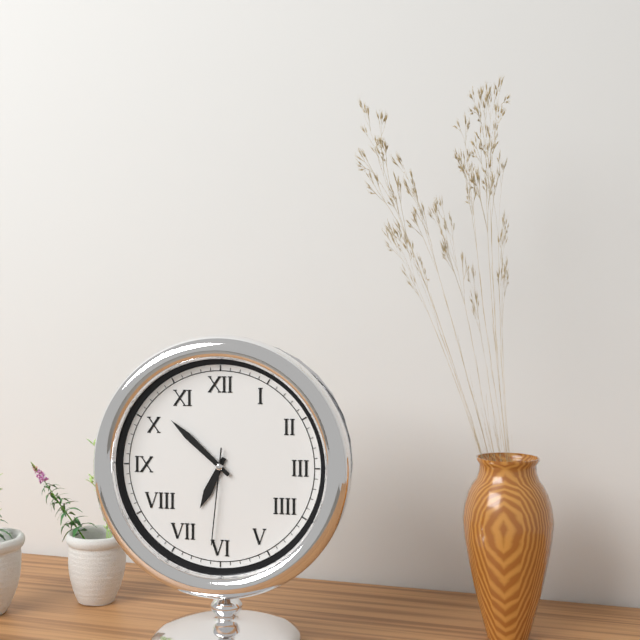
6:52:31
